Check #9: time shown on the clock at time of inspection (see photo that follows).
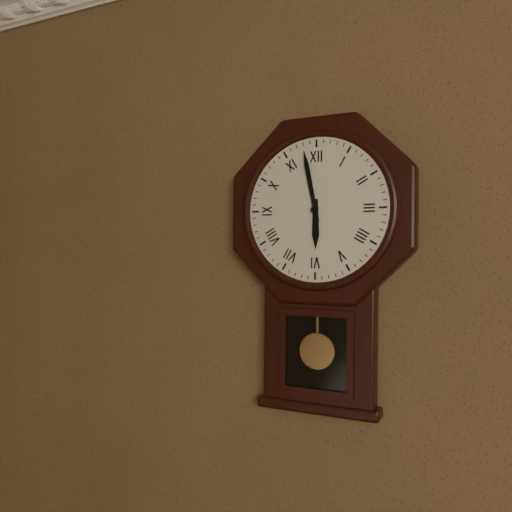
5:58
